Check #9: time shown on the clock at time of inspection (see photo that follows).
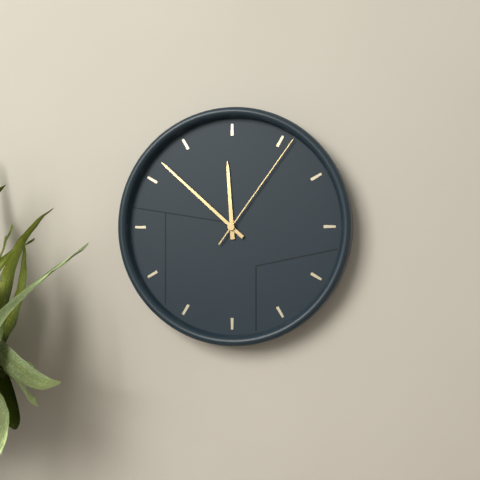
11:52:06
